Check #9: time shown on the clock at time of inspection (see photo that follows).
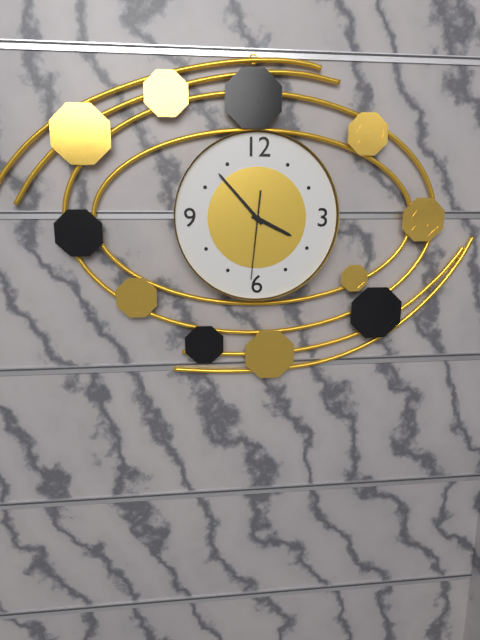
3:53:31
